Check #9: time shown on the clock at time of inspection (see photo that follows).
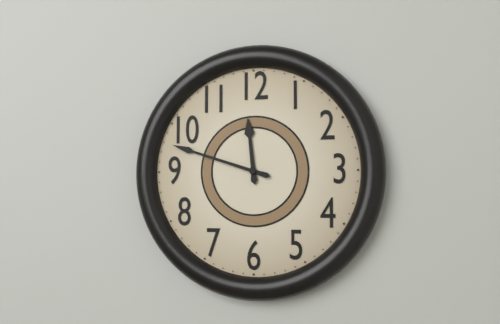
11:48
